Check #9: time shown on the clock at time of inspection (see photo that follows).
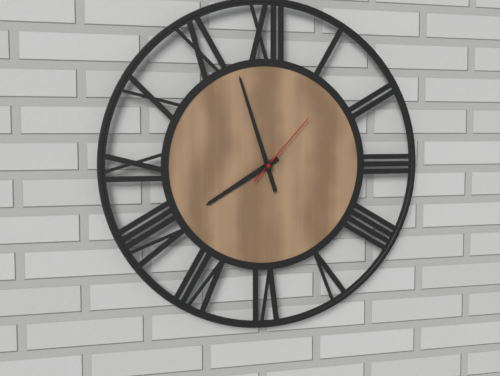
7:57:07
